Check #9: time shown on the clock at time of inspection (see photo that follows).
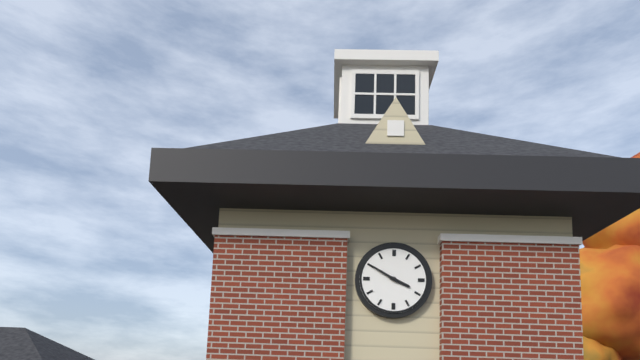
3:50
